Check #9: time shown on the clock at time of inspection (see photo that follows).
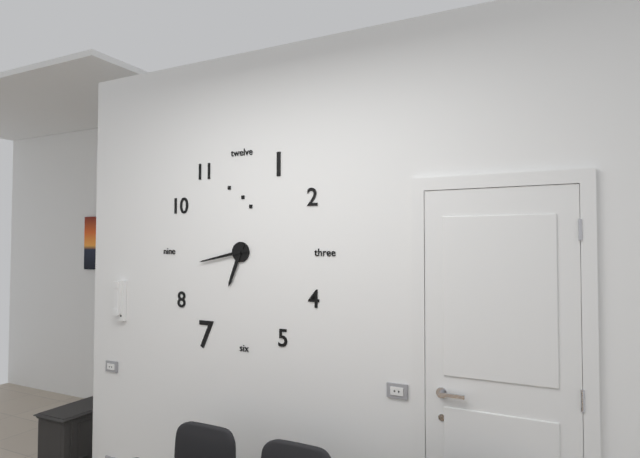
6:43
